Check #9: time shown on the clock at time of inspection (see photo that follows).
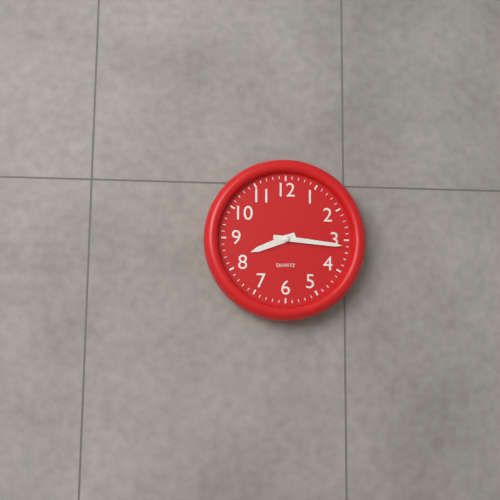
8:16
